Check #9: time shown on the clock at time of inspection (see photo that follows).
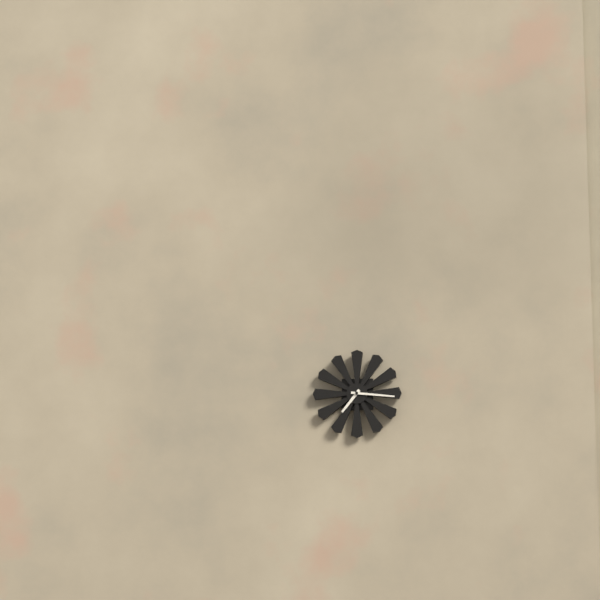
7:16
